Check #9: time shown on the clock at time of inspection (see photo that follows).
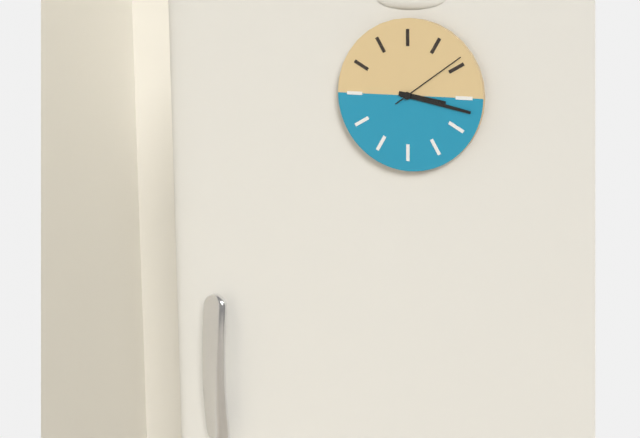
3:17:09
